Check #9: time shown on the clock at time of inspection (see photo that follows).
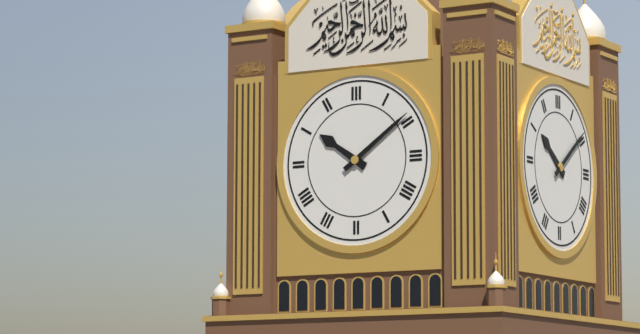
10:09
